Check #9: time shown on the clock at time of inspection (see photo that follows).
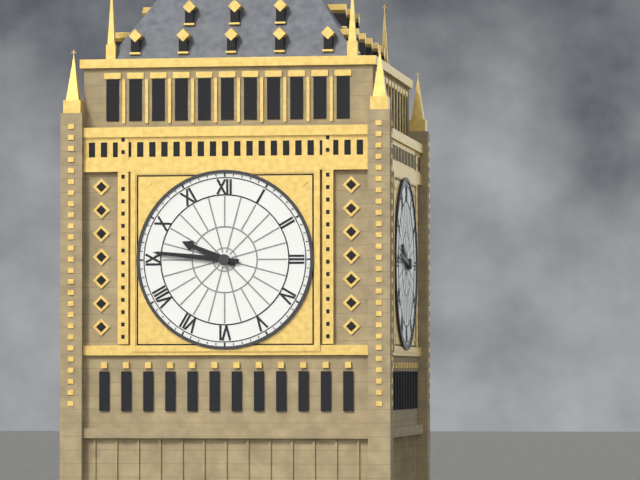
9:46
